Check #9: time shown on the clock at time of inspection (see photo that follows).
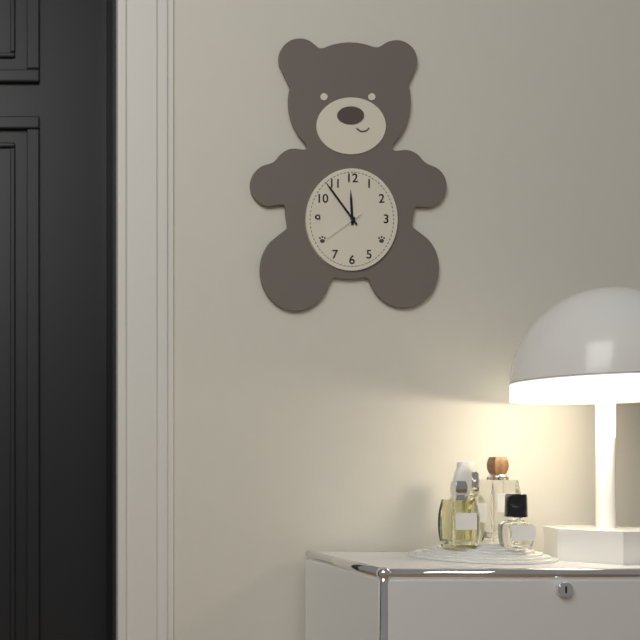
11:54
